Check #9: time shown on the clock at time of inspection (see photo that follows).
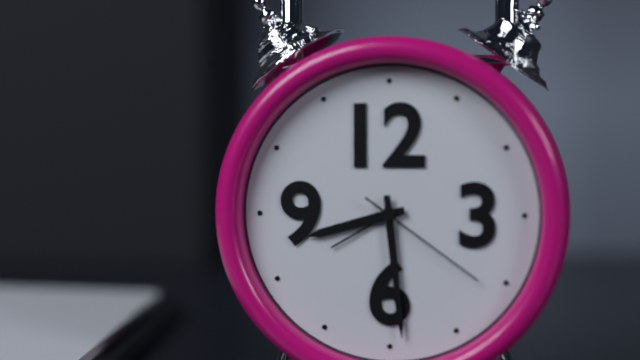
8:29:21
